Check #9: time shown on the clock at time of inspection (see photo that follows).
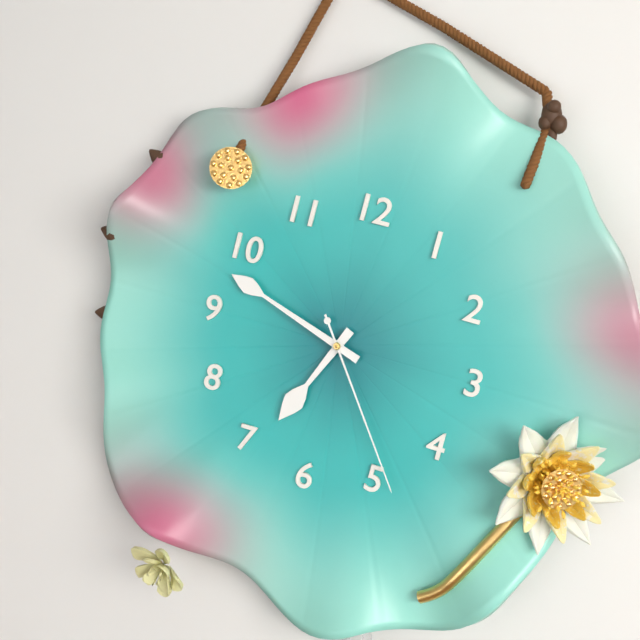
6:48:24
